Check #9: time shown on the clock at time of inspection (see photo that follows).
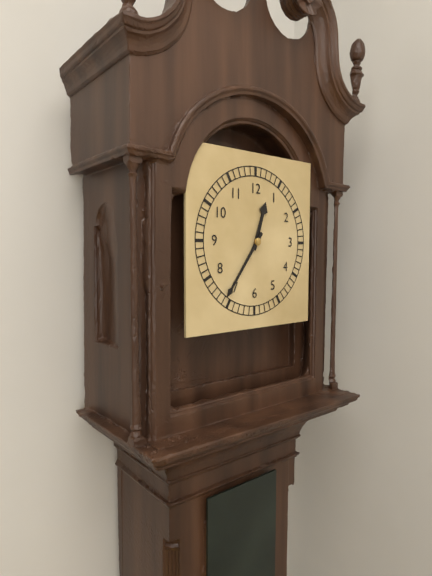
12:36
